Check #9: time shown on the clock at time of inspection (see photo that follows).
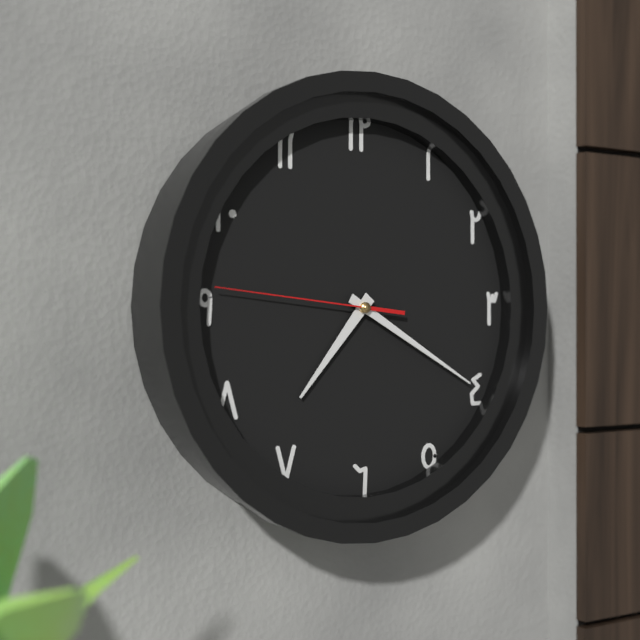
7:20:46
